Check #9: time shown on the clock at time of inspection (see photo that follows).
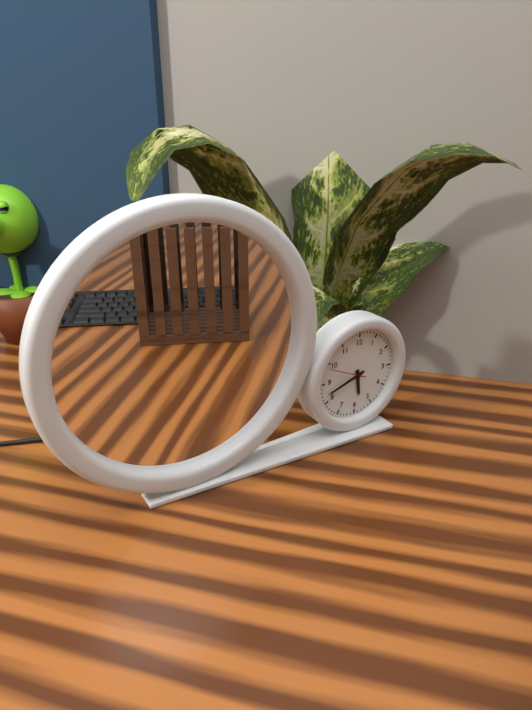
5:42
